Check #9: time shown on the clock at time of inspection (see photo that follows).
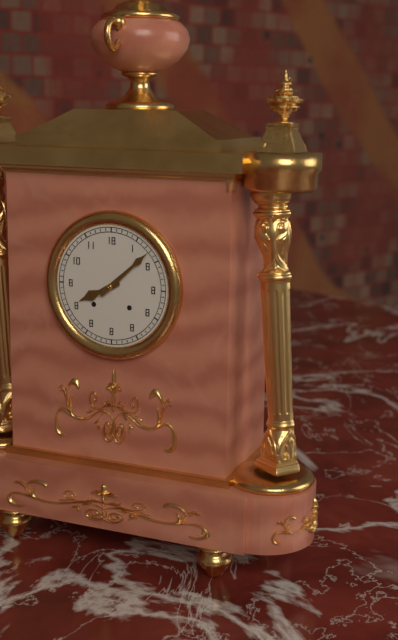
8:08
